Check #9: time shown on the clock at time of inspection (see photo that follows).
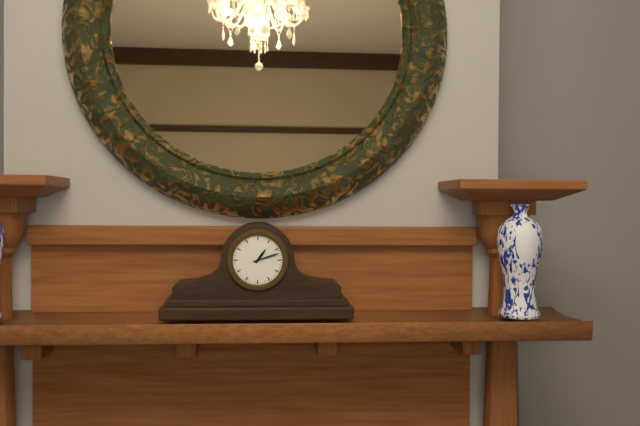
1:12
